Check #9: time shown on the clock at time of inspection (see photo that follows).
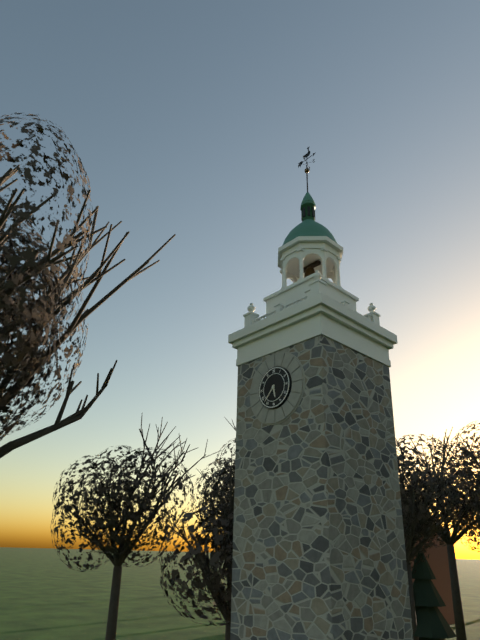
5:37
